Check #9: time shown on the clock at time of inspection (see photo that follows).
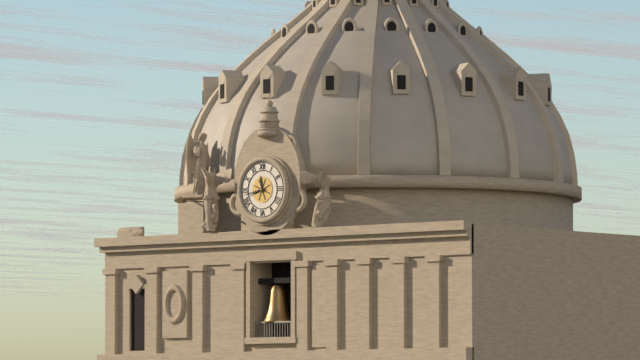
11:43
